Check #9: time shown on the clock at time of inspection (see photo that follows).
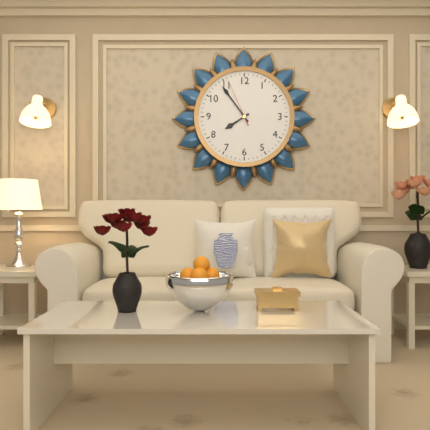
7:54:56
